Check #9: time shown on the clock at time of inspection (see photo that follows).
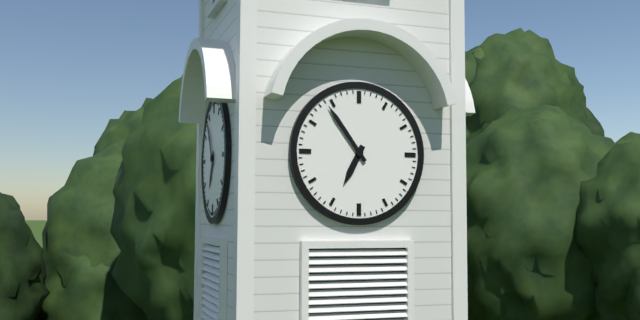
6:54
